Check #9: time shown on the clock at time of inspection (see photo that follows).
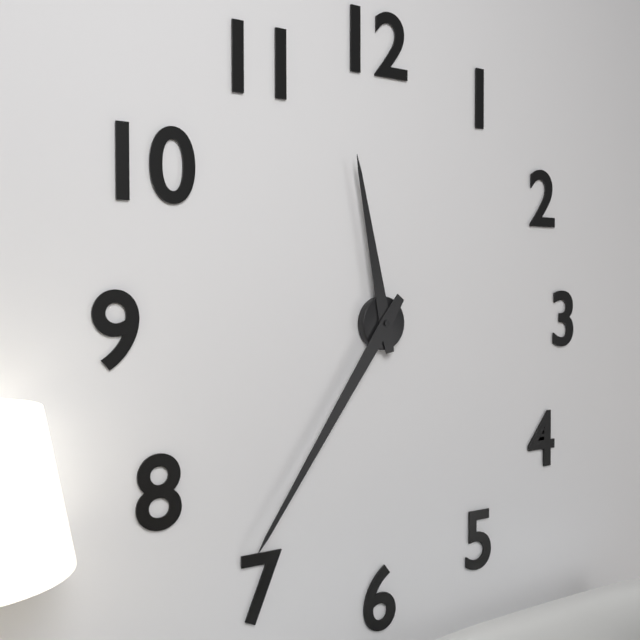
11:36
